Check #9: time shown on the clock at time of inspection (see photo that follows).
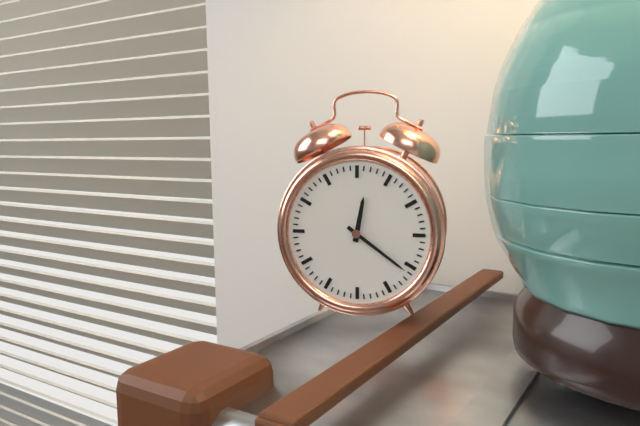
12:21
